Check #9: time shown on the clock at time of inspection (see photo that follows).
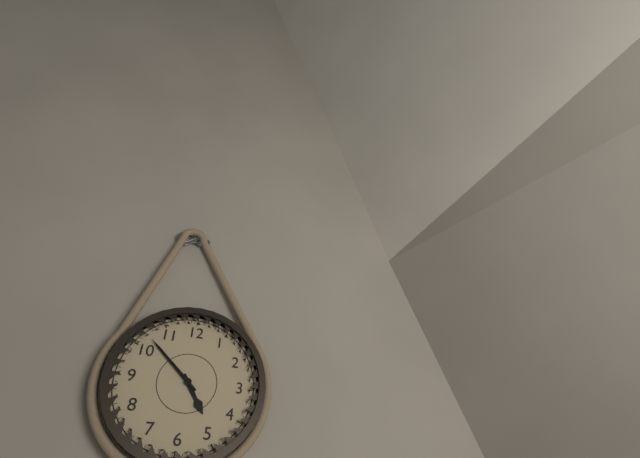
4:52
